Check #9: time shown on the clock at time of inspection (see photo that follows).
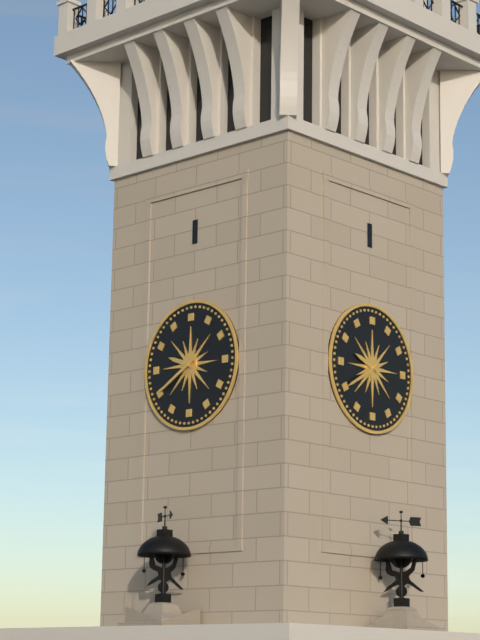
9:40
